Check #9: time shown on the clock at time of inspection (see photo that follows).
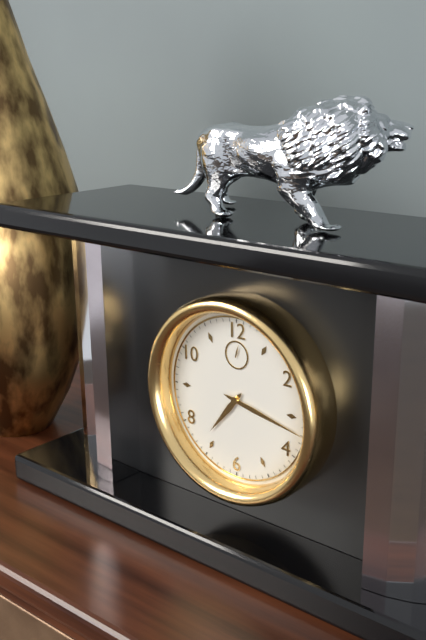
7:17
